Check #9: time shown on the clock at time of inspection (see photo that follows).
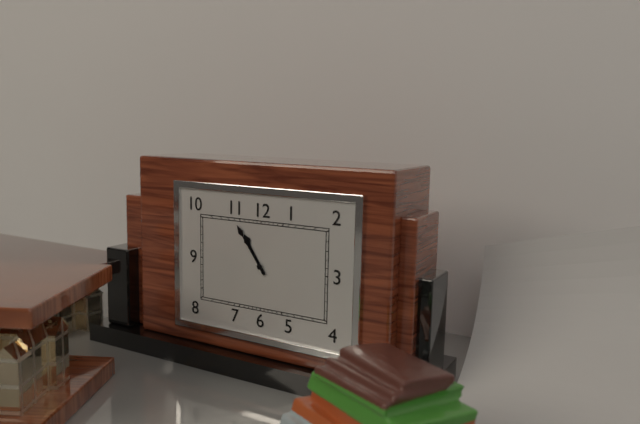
10:54
